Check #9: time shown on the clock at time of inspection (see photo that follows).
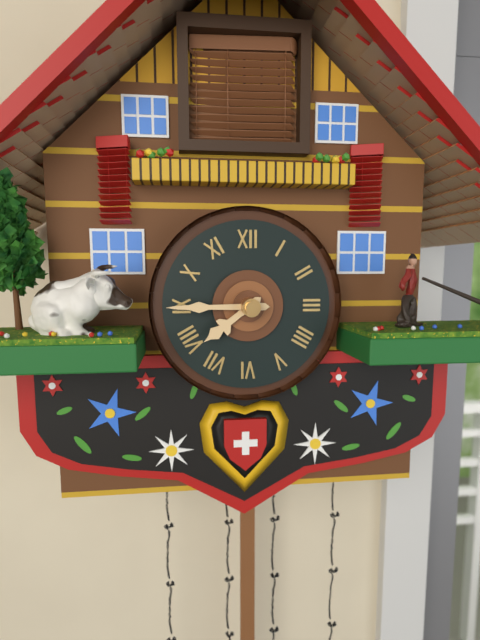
7:45
